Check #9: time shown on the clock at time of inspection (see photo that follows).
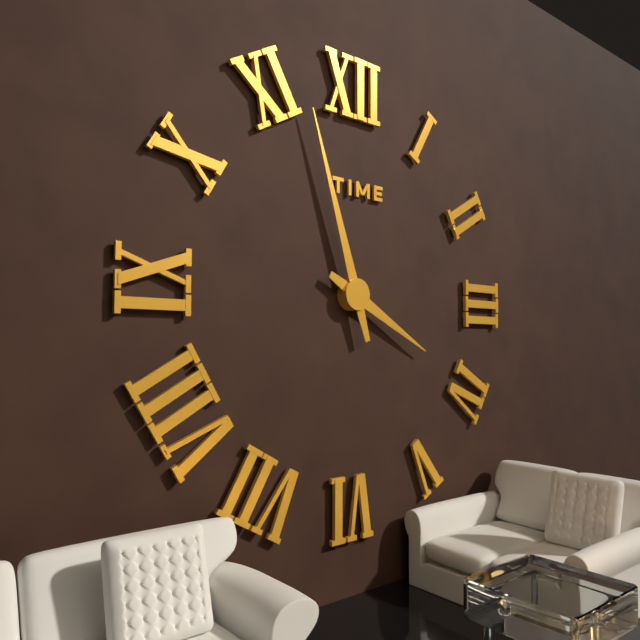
3:57
